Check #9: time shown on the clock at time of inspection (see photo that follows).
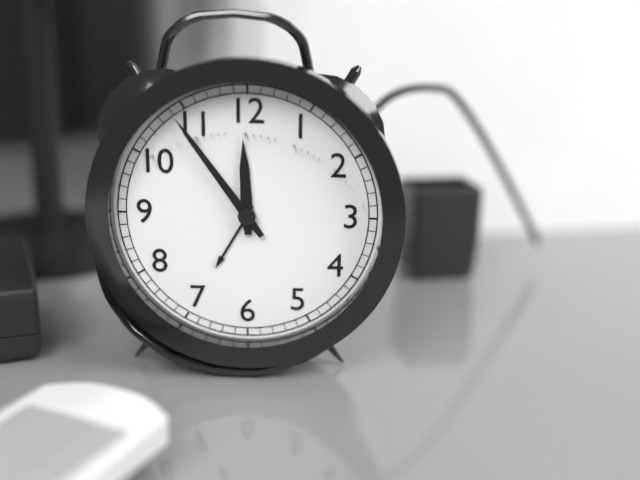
11:54
